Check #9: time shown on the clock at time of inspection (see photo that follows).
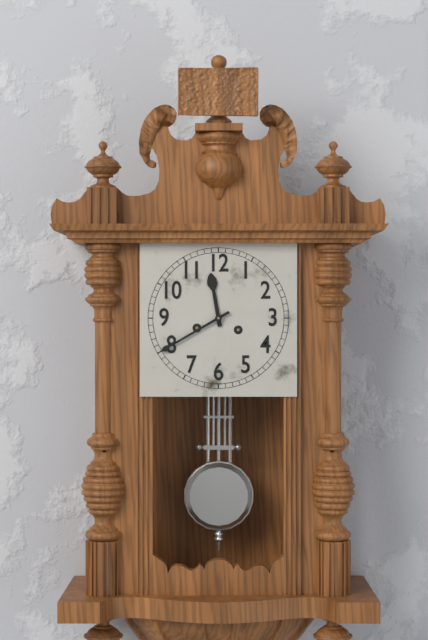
11:40
